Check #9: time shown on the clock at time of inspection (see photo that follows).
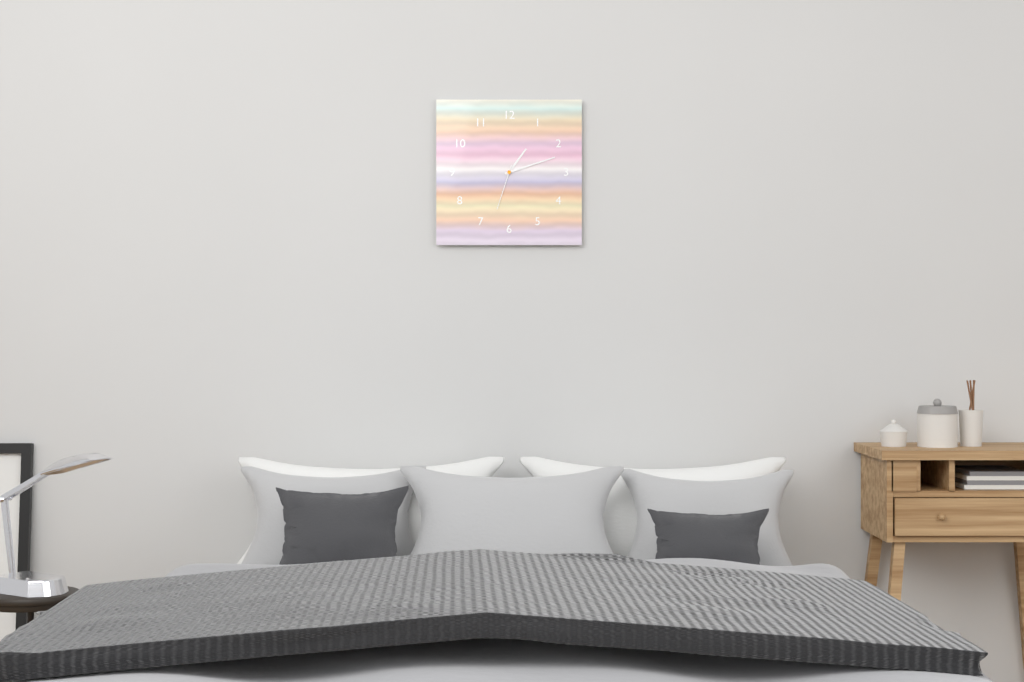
1:12
